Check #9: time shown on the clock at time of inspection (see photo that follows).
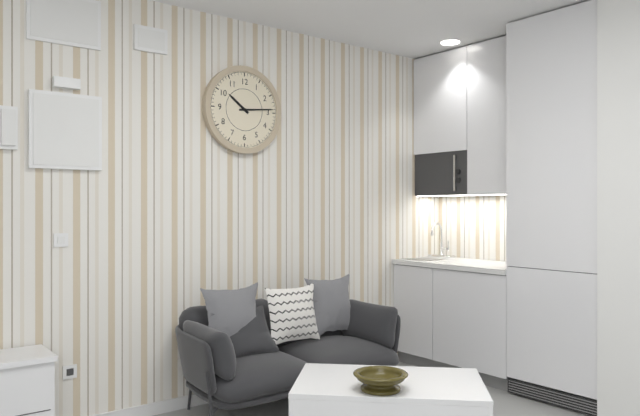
10:14
